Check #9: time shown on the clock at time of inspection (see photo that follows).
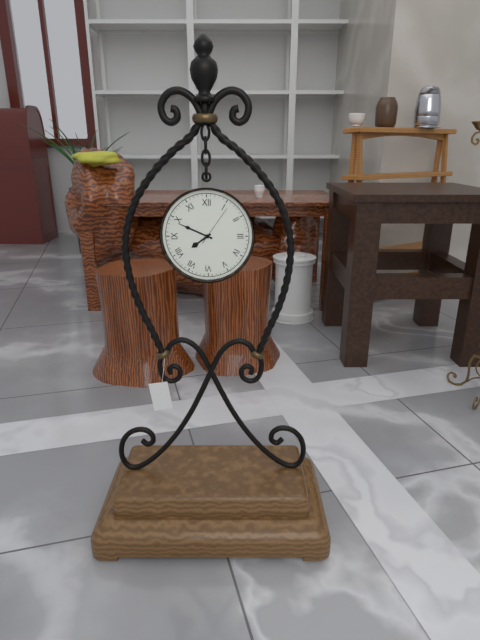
7:49
